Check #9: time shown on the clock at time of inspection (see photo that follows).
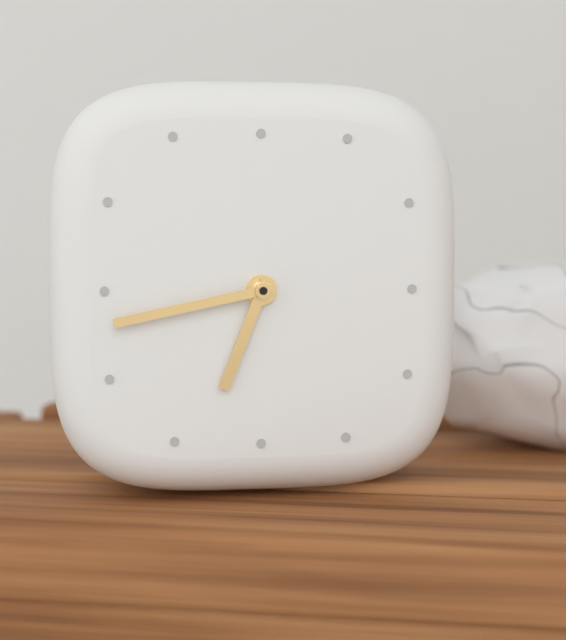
6:43
